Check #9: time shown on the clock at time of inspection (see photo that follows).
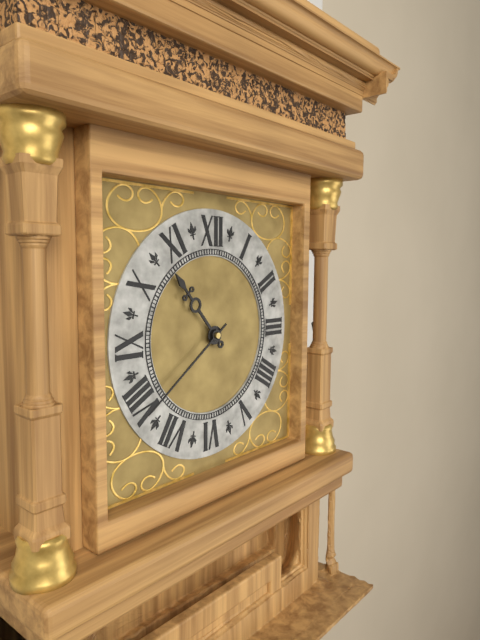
10:39
